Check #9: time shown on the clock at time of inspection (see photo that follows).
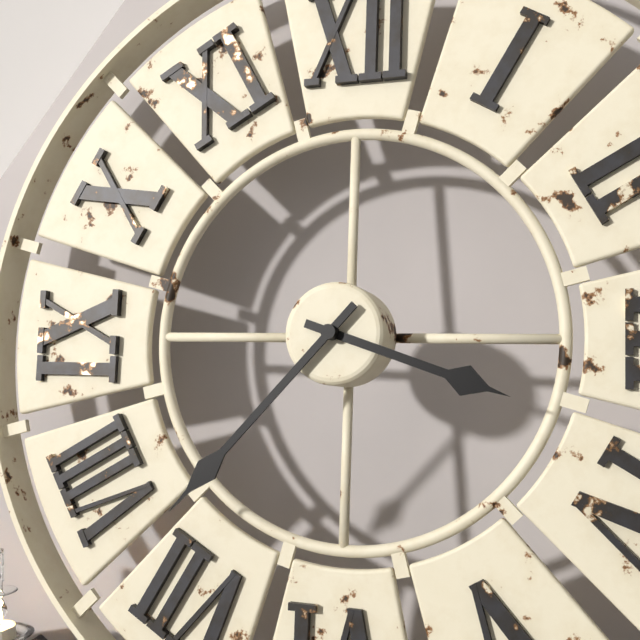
3:37
